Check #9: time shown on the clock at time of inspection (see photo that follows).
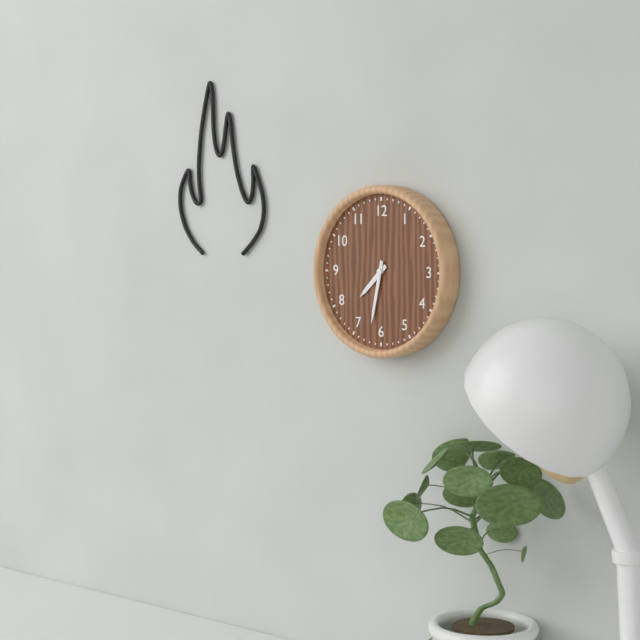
7:32
